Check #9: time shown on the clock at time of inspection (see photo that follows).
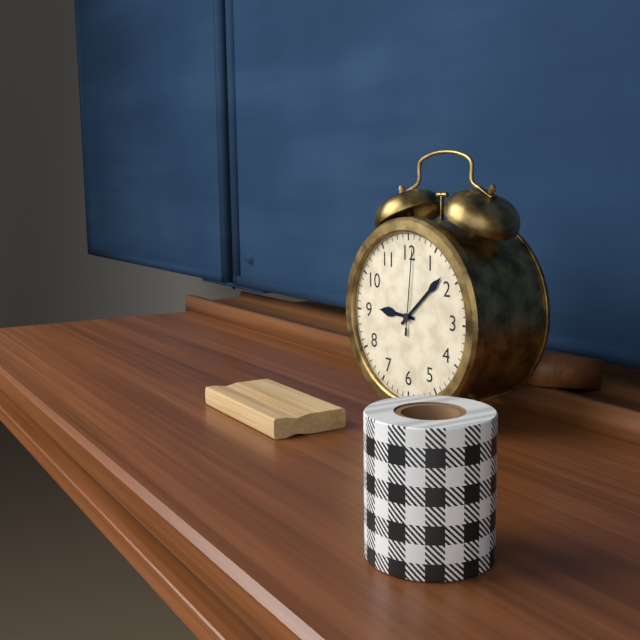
9:08:01
